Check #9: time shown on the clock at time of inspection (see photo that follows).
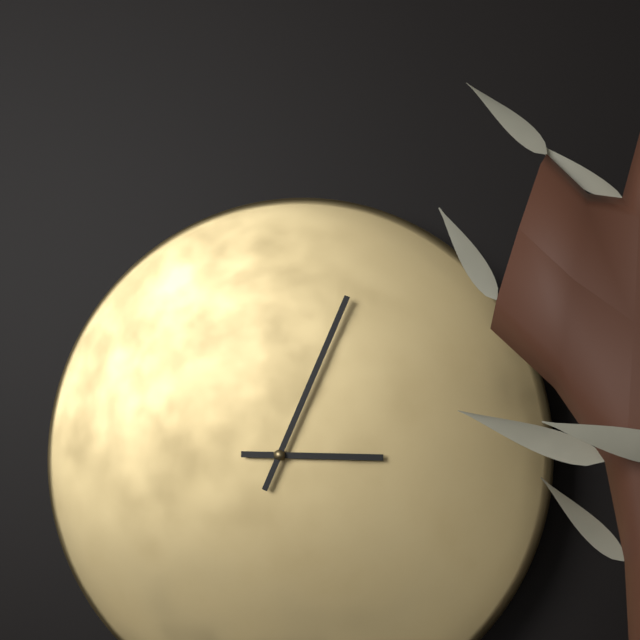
3:04
